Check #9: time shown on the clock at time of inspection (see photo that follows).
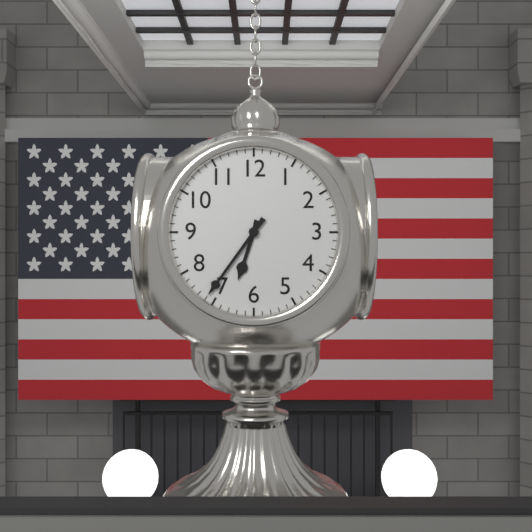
6:36
